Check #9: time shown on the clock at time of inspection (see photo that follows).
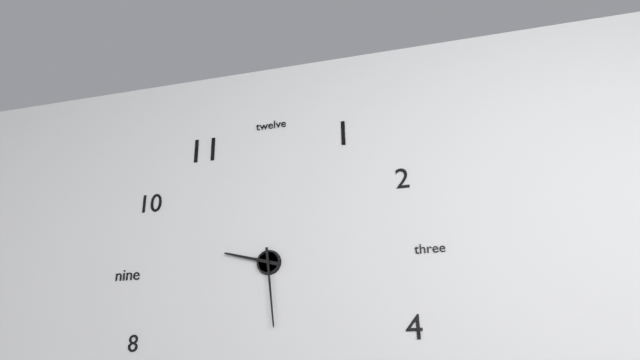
9:29
